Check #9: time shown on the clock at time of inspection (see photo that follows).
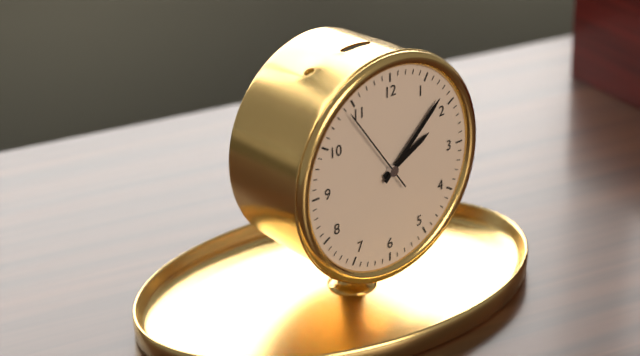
2:08:54
